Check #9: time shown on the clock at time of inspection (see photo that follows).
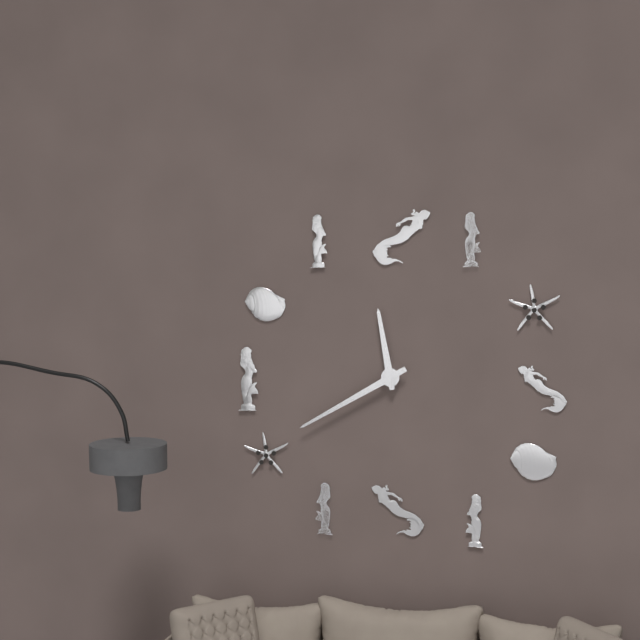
11:40
